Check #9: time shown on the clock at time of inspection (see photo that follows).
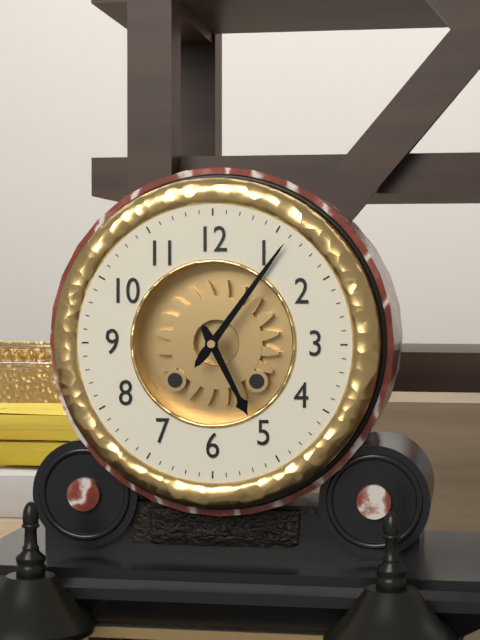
5:06
